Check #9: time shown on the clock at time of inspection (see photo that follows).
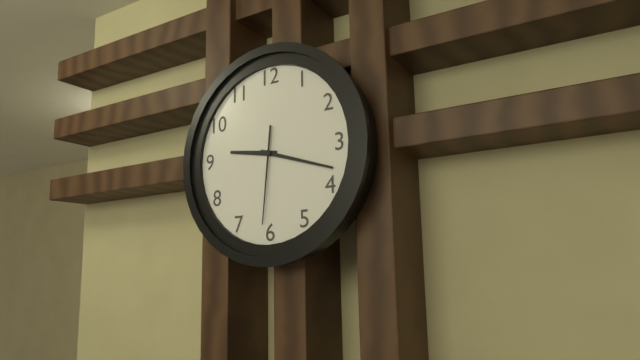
9:18:31
